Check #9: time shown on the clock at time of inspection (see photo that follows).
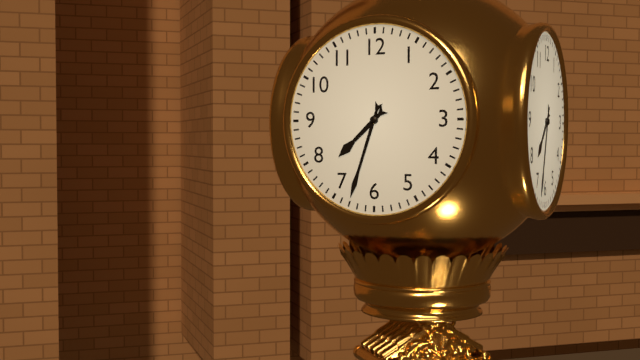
7:33
